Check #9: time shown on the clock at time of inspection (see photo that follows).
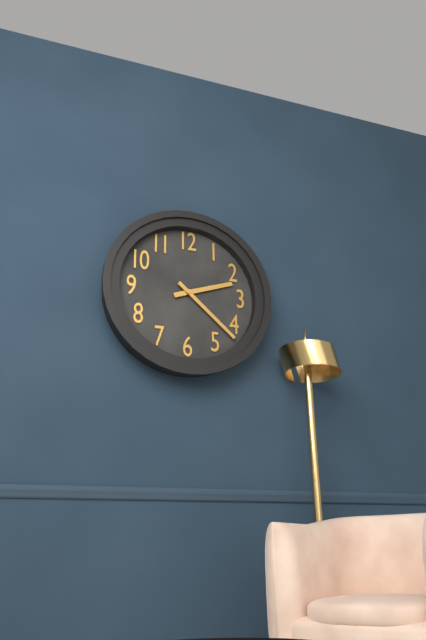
2:22
